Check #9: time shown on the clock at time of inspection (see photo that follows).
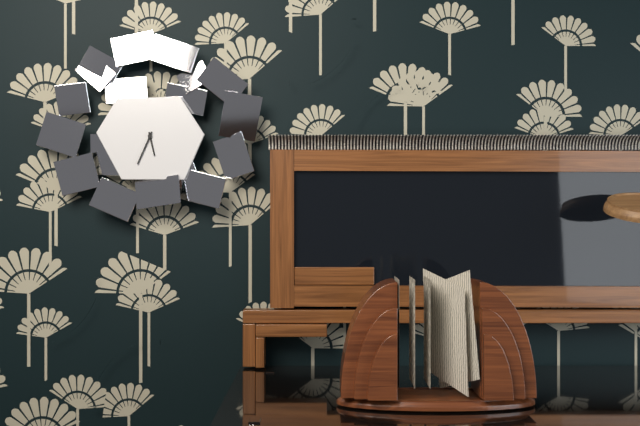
5:34
